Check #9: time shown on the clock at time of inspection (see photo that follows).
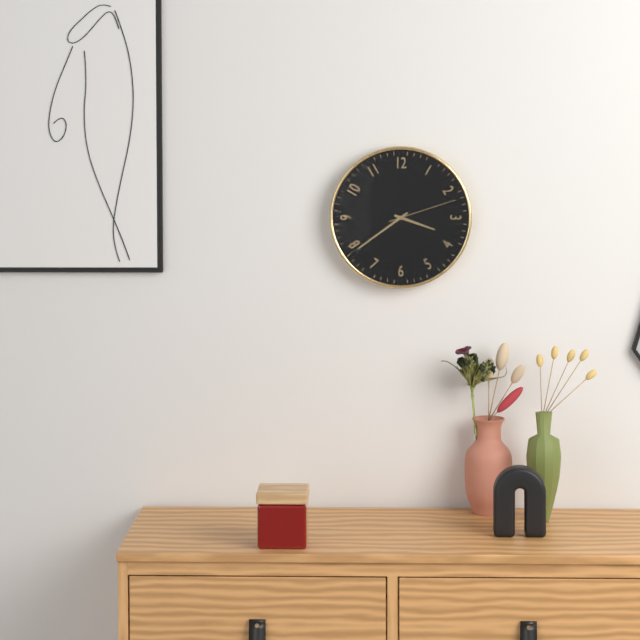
3:39:12
